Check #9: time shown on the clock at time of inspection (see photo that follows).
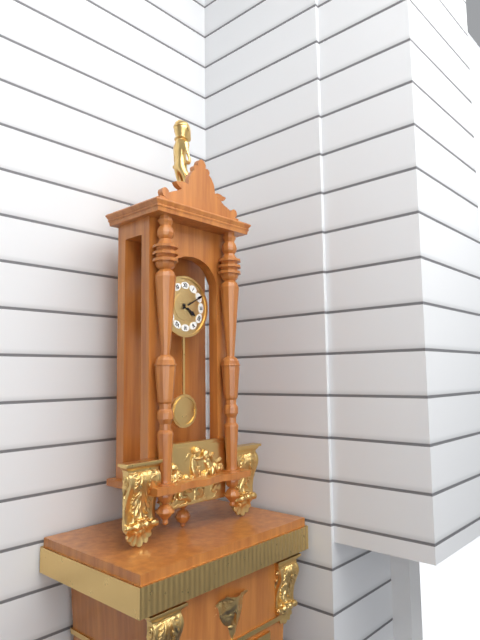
4:10
